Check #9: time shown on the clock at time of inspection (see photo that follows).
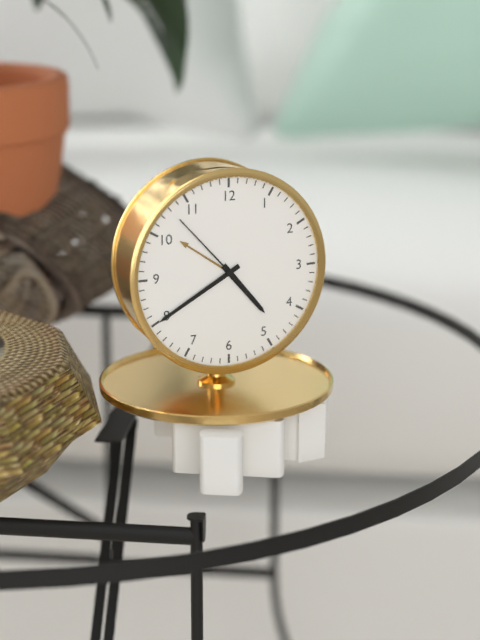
4:40:53
